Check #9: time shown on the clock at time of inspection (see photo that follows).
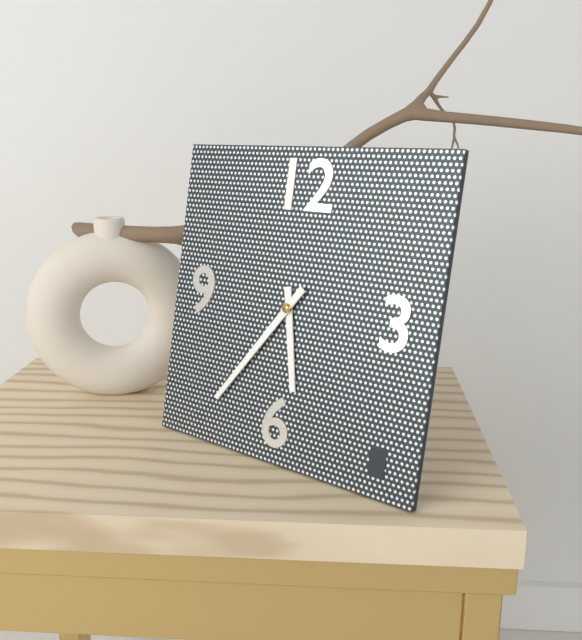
5:36
